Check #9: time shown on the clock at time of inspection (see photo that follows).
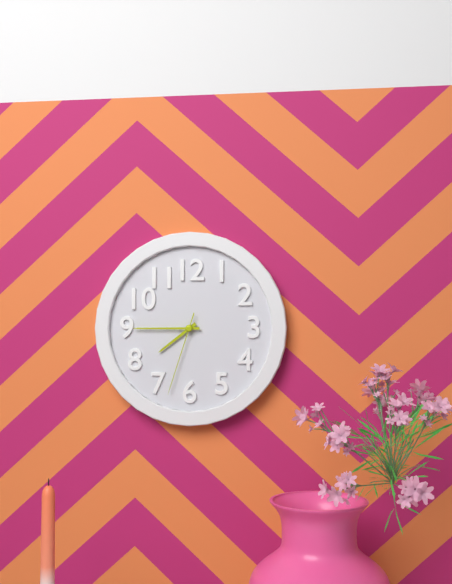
7:45:33
